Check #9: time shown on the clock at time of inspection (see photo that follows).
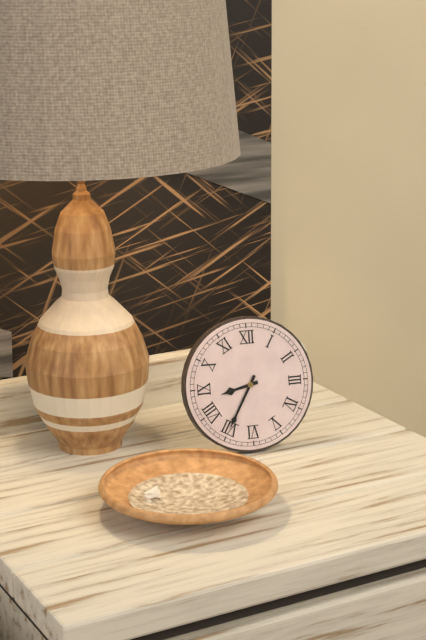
8:35
